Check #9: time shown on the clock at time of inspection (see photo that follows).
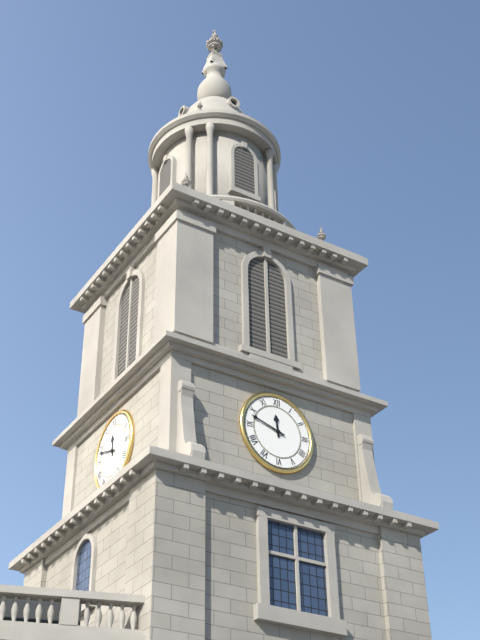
11:48
